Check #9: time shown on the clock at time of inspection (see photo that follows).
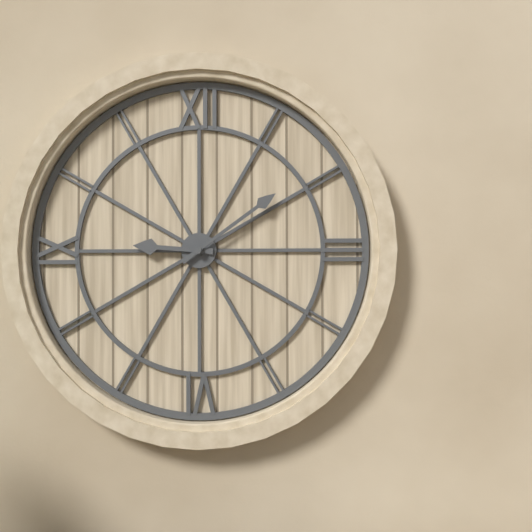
9:09
